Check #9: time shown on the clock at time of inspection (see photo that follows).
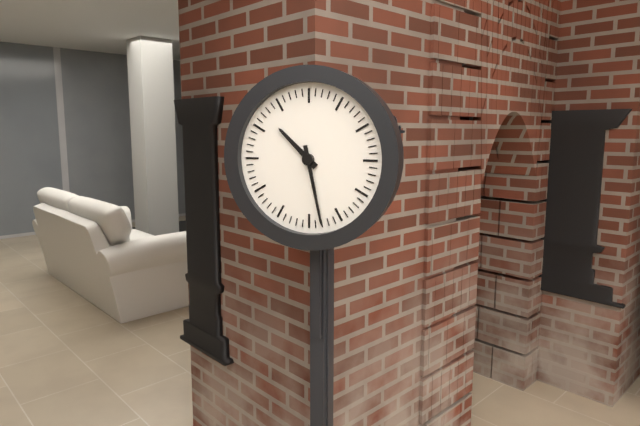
10:28
